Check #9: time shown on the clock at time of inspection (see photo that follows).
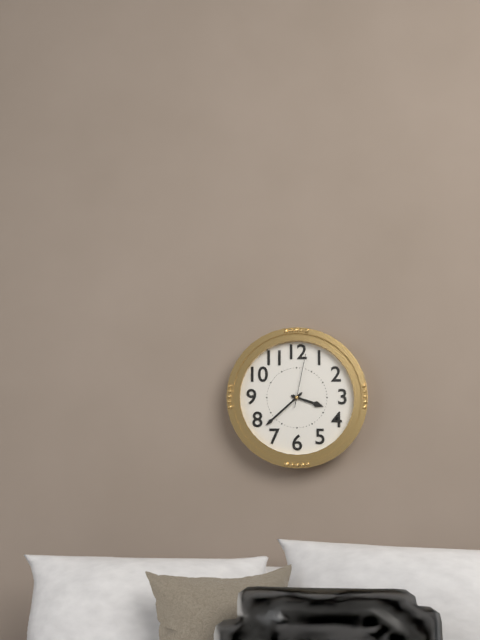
3:38:02
